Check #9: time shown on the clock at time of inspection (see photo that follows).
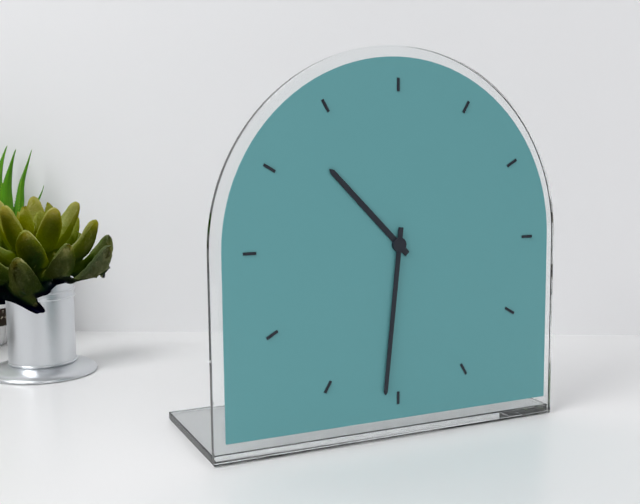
10:31
